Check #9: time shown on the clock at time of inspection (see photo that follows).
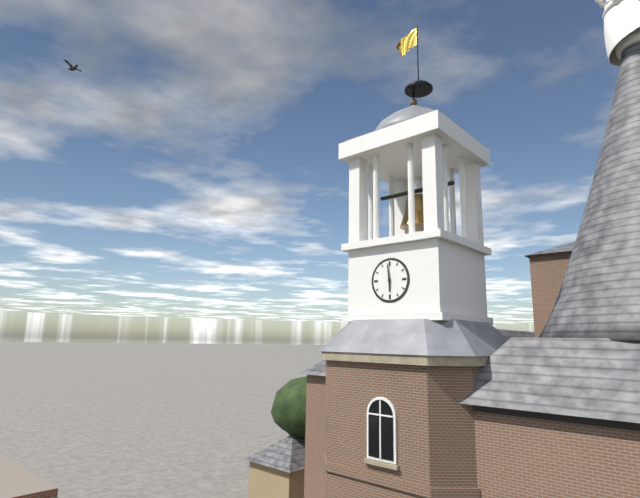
5:59
